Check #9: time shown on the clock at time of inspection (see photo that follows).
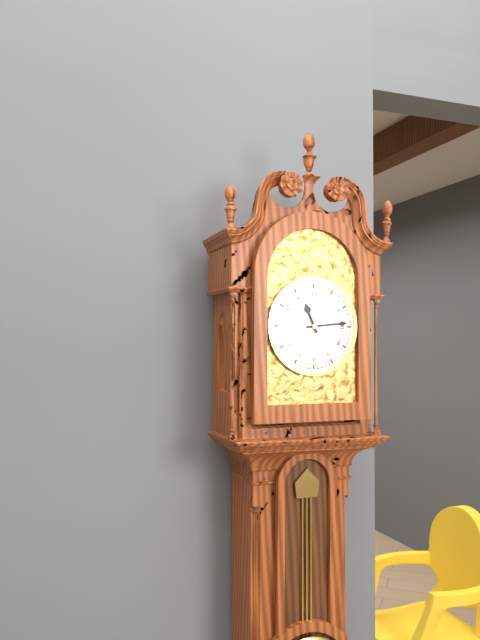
11:14
